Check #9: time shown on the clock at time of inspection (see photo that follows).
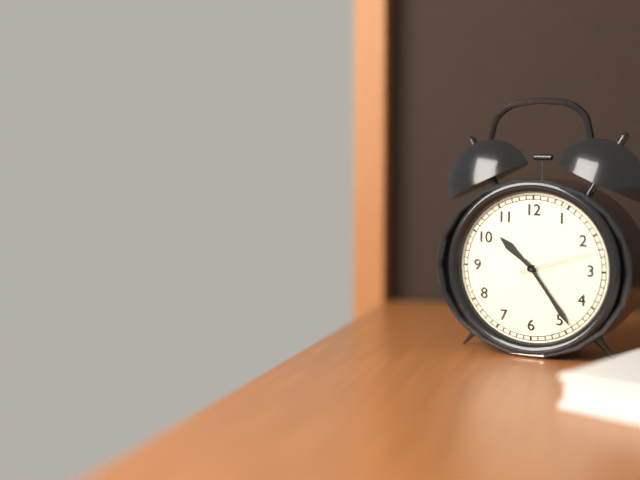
10:24:12
